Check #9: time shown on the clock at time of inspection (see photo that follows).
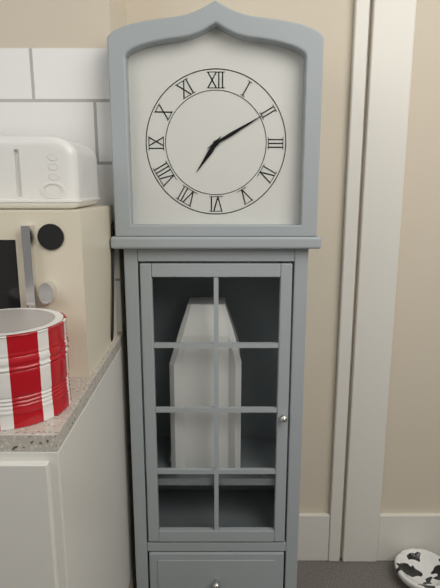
7:10
